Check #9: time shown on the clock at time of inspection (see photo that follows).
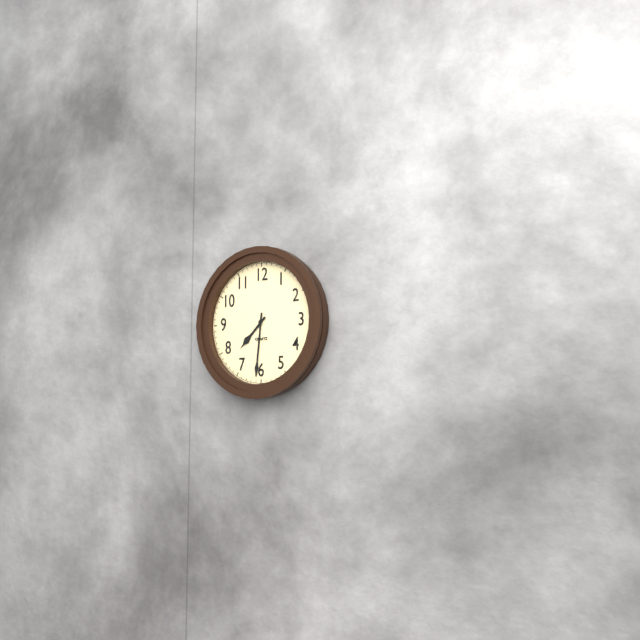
7:31
